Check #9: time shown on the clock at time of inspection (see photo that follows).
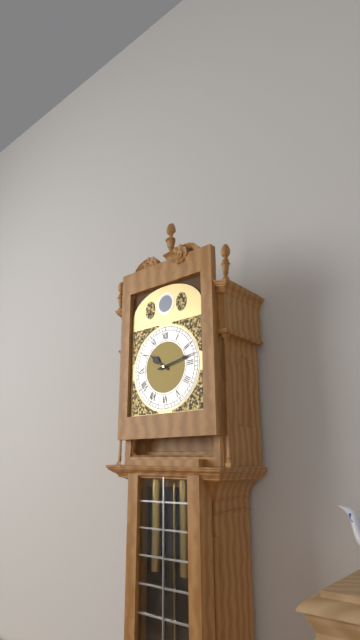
10:13
